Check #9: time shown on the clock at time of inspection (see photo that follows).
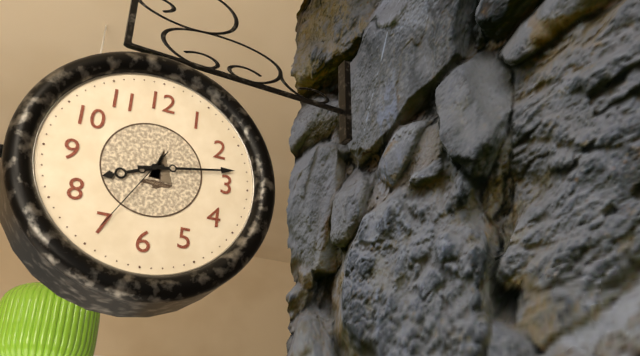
8:13:35
